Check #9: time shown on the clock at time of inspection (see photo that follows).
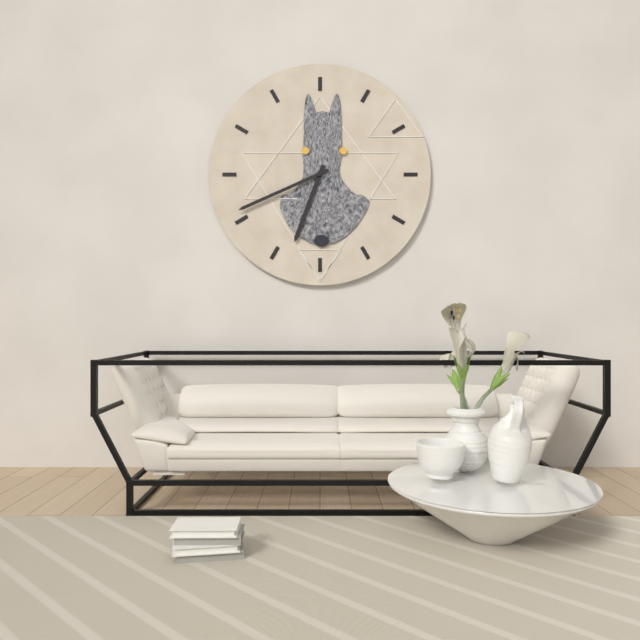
6:41
